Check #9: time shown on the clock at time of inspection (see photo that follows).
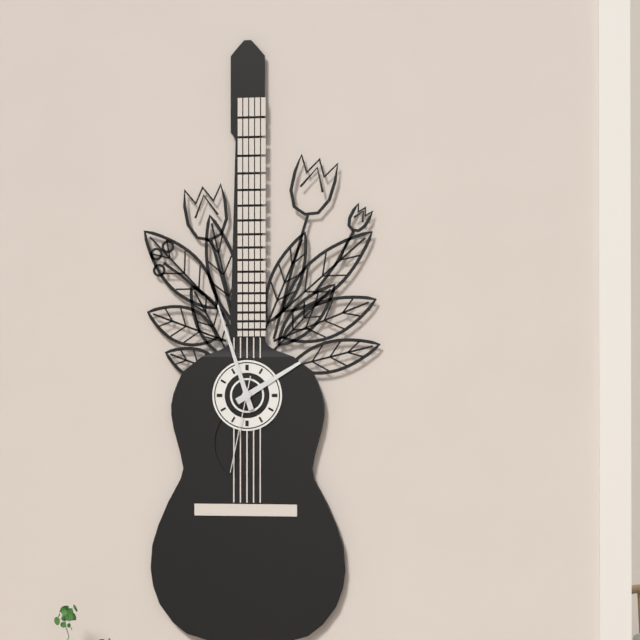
1:57:32
